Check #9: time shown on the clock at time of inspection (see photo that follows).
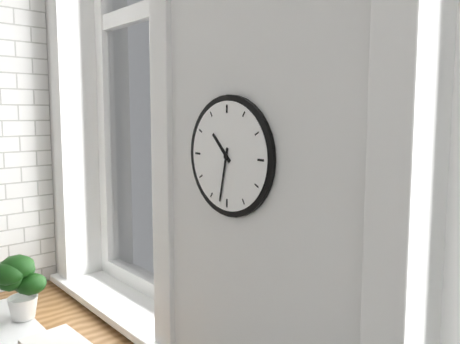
10:32
